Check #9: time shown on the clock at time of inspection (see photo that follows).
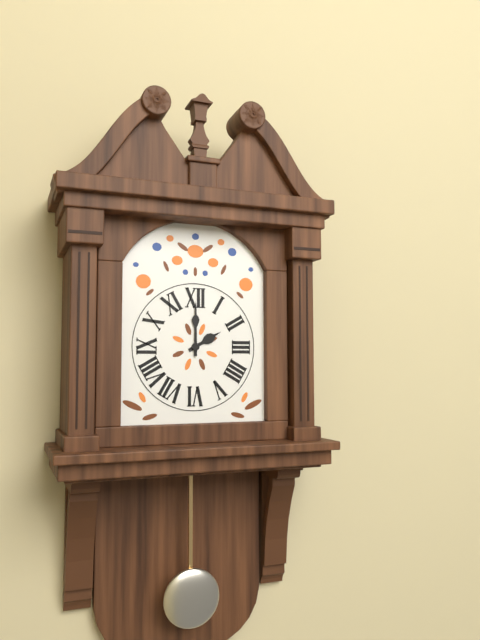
2:00
